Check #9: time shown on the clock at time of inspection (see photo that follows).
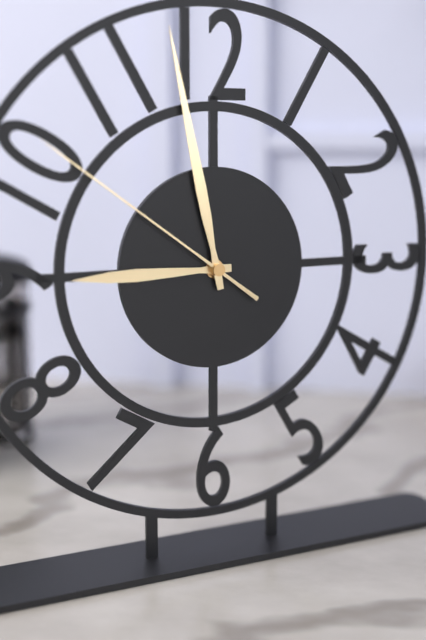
8:58:51
